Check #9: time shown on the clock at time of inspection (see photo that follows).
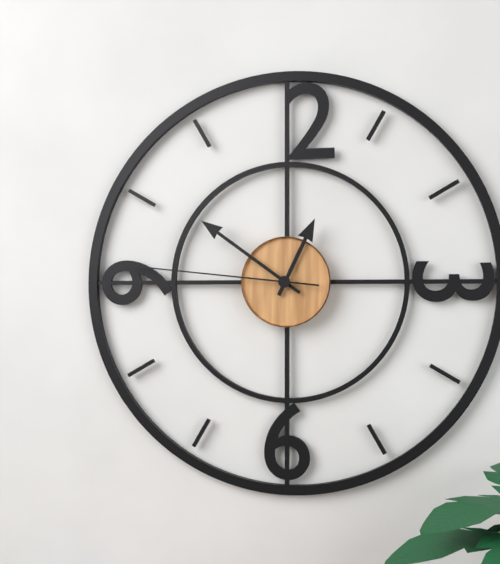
12:51:46
